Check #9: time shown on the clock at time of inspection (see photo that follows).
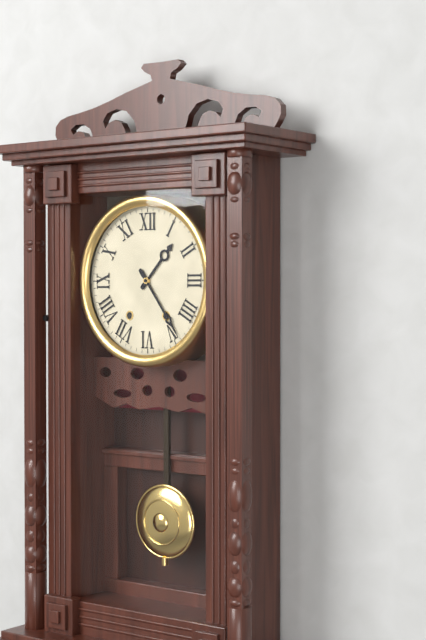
1:24
